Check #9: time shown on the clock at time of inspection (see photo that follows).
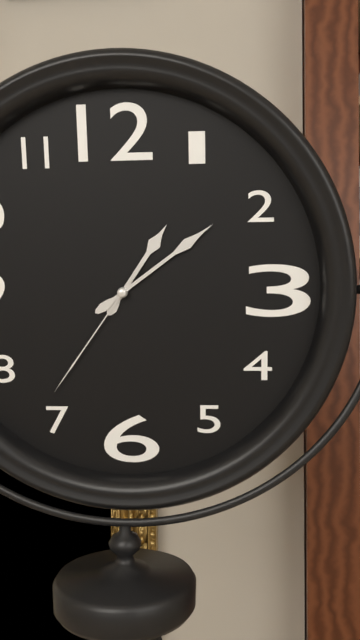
1:09:36
